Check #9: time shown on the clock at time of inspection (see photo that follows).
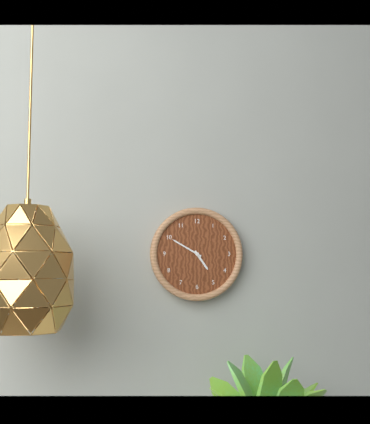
4:50
